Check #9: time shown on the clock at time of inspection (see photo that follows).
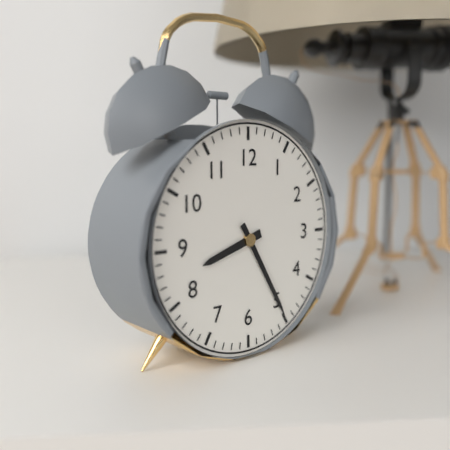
8:25
